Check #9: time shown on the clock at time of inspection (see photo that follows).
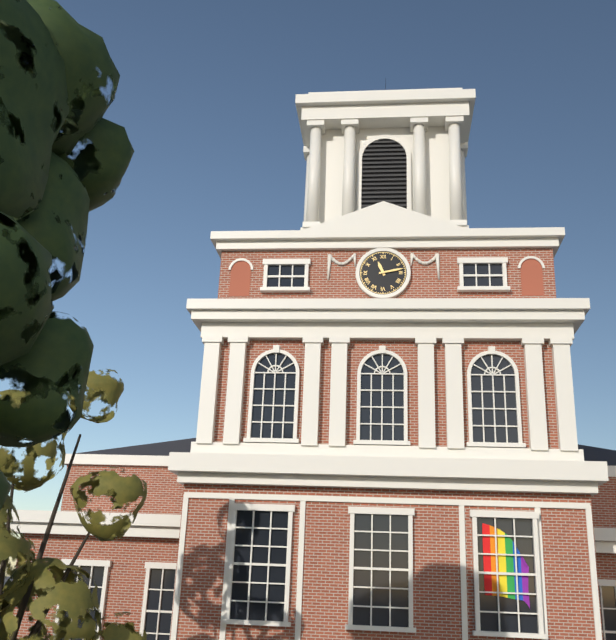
11:13
